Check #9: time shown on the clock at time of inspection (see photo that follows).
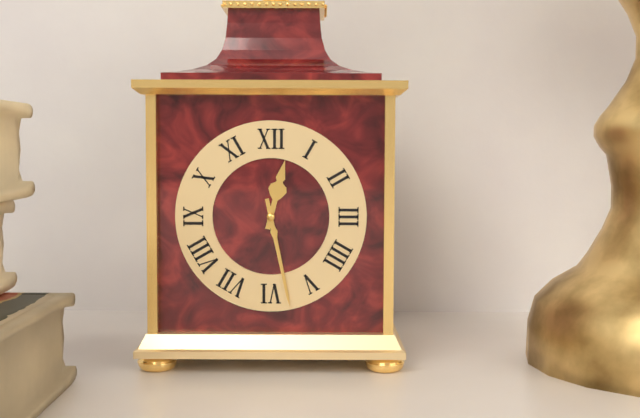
12:28
